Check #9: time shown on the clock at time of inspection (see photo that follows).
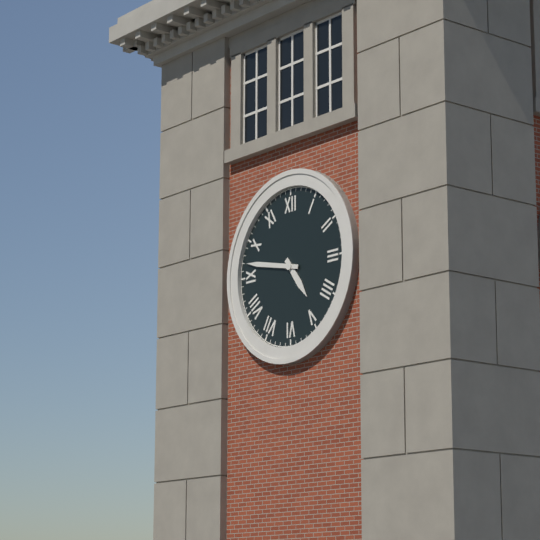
4:47
